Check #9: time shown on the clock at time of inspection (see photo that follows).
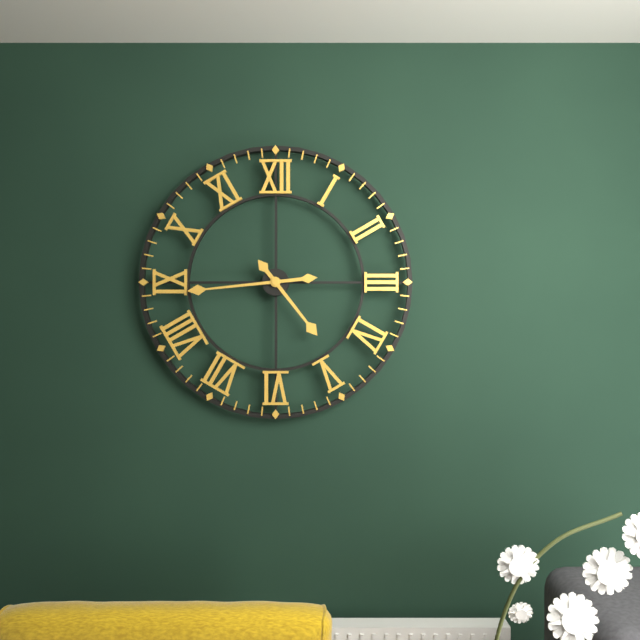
4:44
